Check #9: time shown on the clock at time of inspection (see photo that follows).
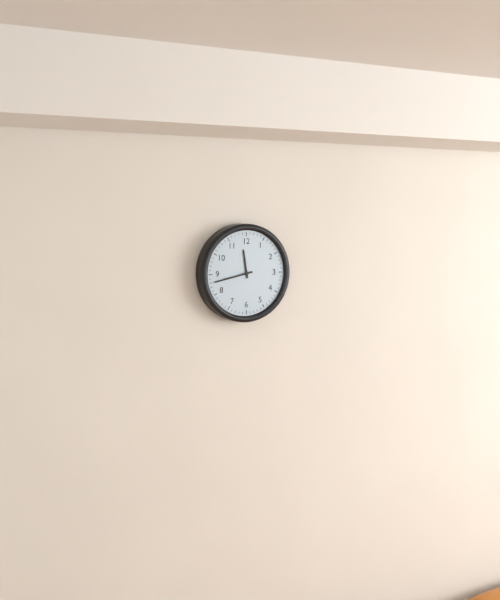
11:43
